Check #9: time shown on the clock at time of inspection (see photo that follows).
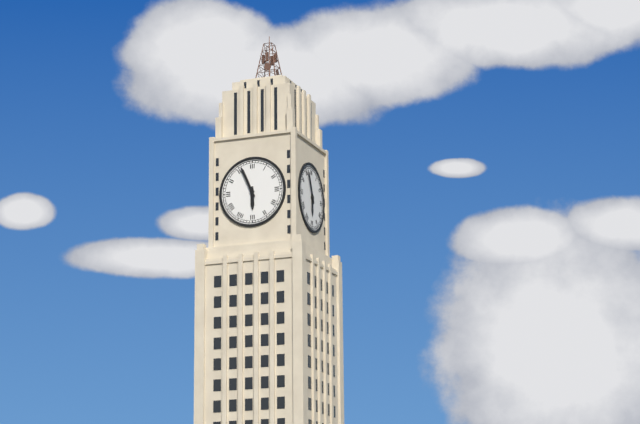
5:56
